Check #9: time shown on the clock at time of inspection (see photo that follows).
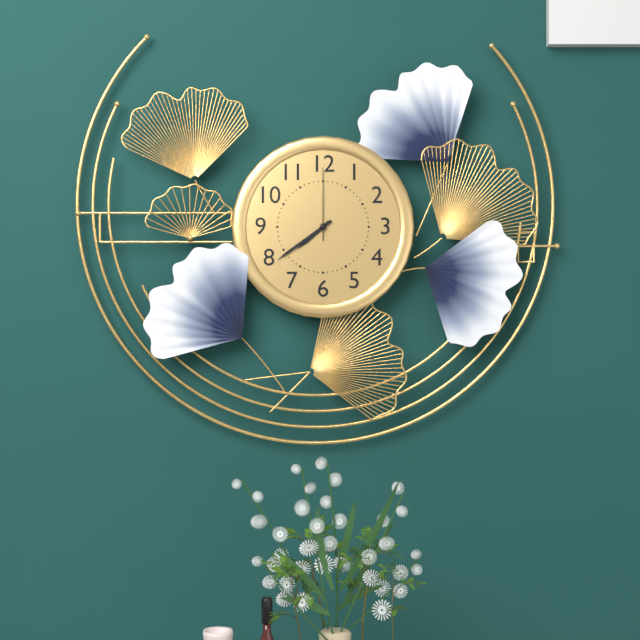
7:39:00
